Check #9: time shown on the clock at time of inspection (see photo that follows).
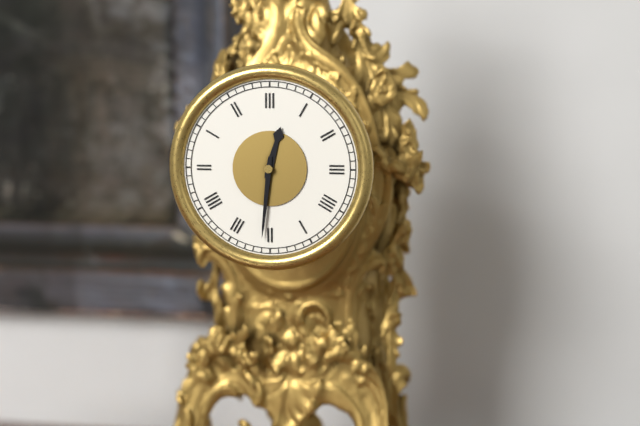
12:31
